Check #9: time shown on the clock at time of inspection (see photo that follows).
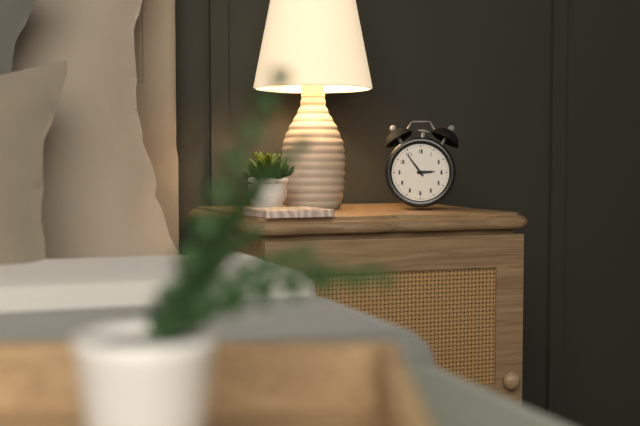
2:54
